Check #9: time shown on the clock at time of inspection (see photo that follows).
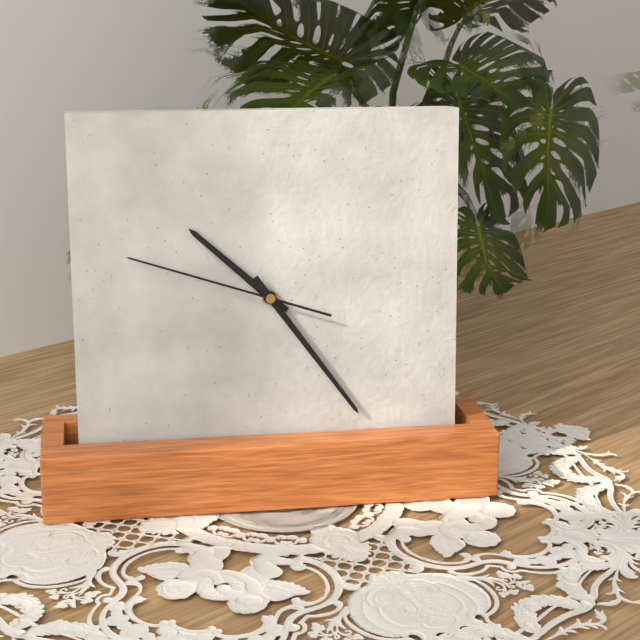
10:24:48
